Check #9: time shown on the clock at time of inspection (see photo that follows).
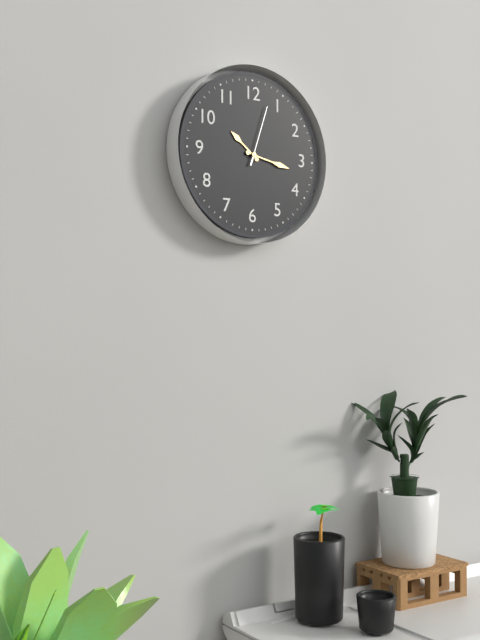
10:17:03
